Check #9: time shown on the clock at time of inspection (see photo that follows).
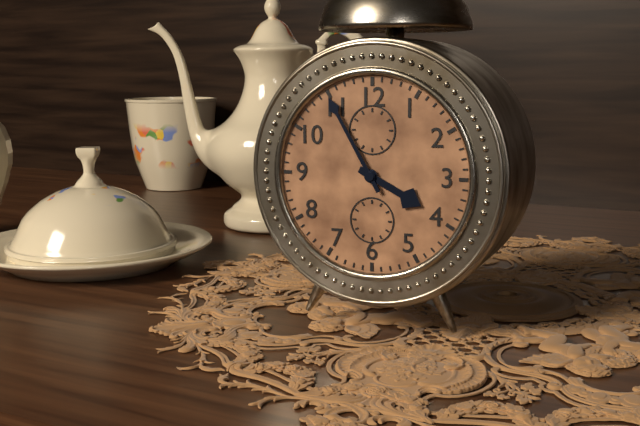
3:55
